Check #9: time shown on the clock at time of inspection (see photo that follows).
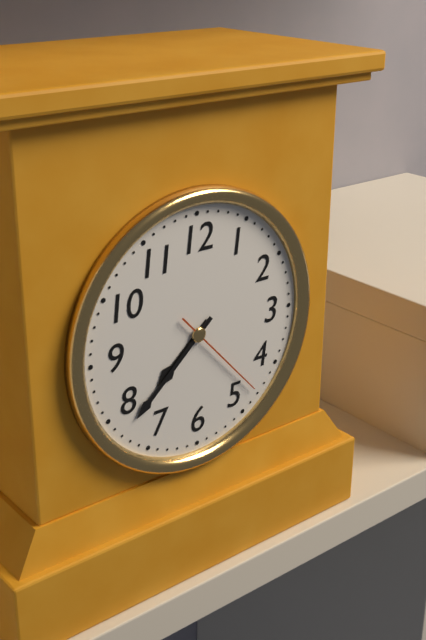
7:38:23
